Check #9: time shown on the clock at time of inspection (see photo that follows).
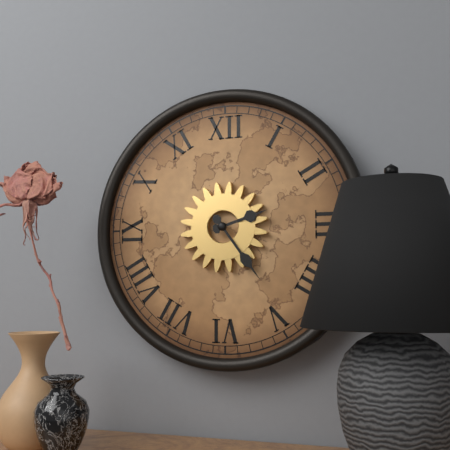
2:24
